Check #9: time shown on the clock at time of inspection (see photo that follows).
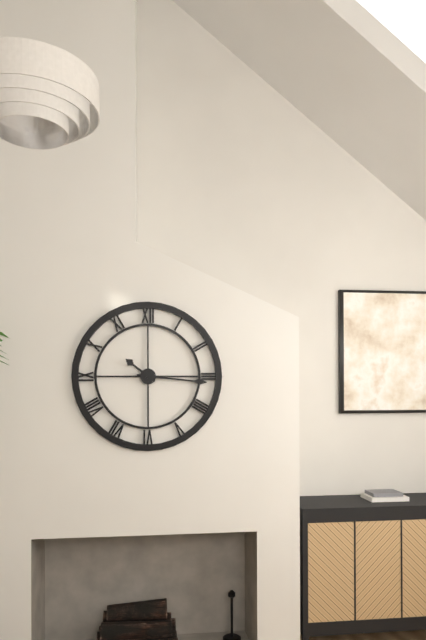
10:16
